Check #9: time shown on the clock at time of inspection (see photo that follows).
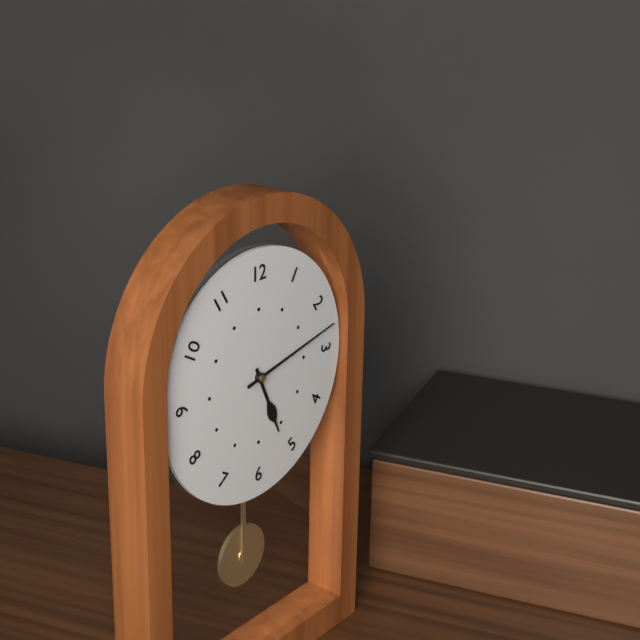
5:13
